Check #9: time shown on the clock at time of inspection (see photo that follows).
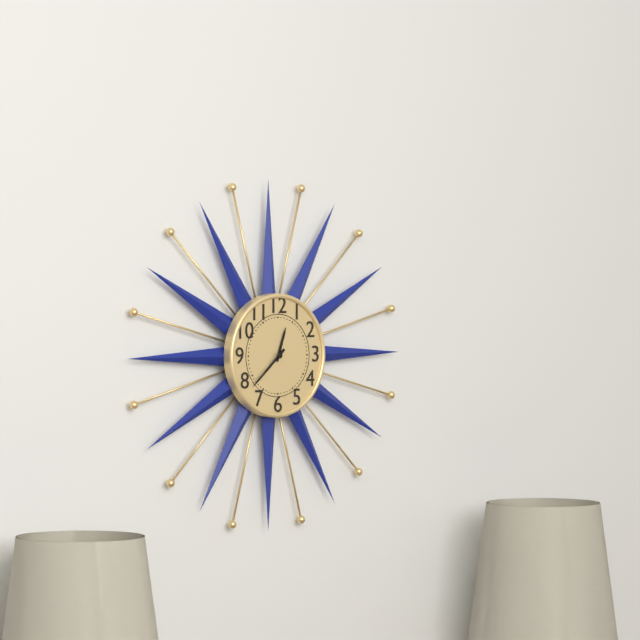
12:38
